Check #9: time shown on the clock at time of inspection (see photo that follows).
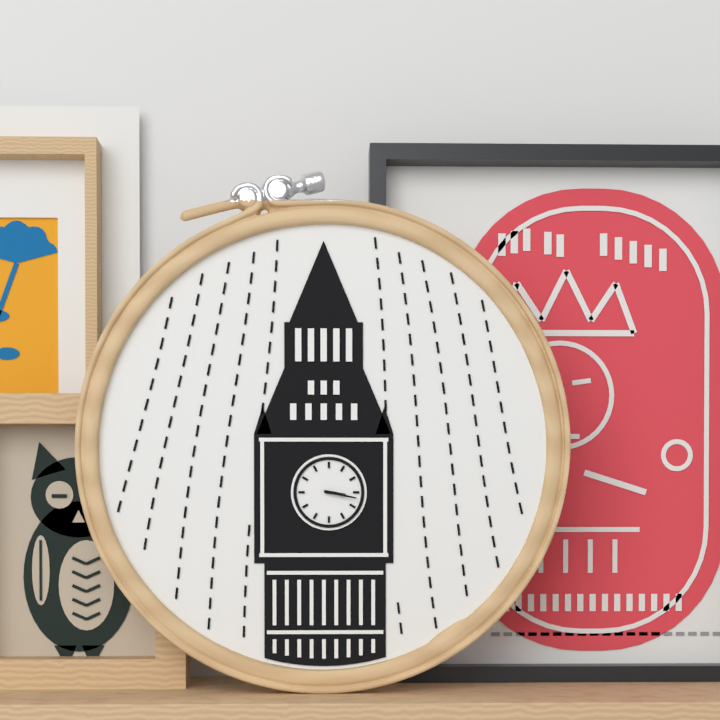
3:17
